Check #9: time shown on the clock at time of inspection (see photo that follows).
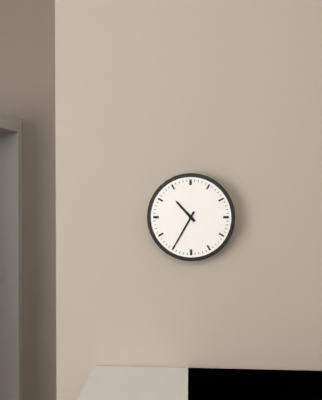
10:35
